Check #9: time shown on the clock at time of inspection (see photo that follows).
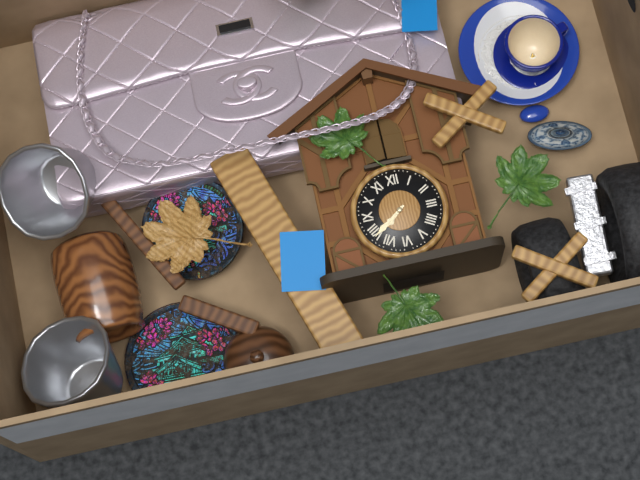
7:39
